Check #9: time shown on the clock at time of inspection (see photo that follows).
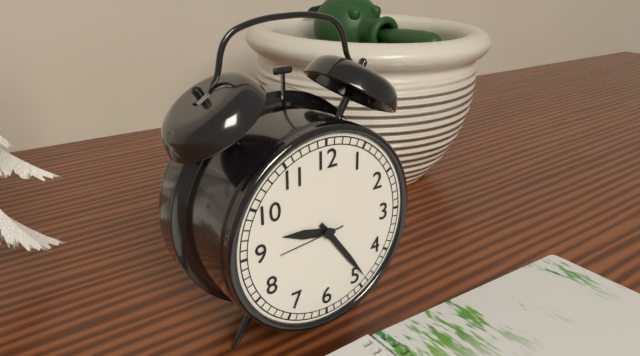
9:24:44
